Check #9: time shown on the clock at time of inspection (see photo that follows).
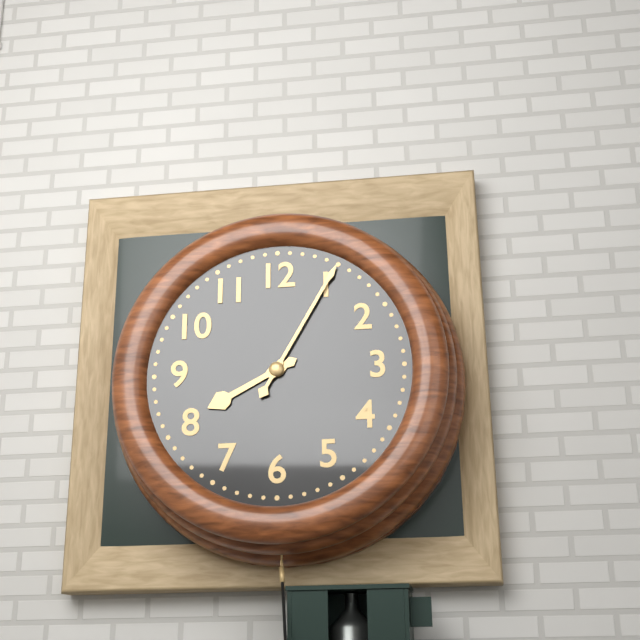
8:05
